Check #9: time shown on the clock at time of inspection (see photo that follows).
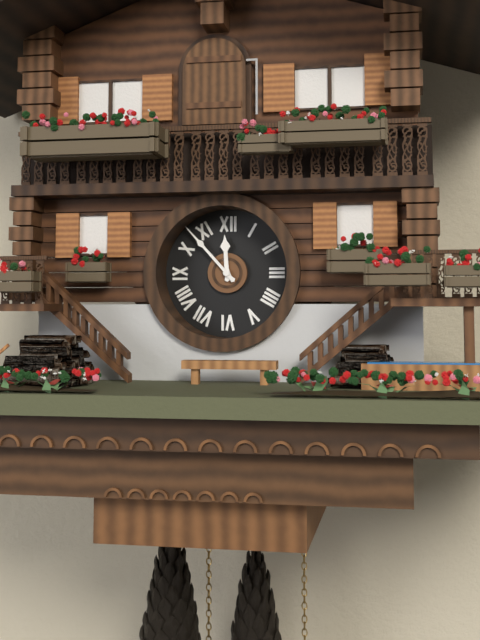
11:53
